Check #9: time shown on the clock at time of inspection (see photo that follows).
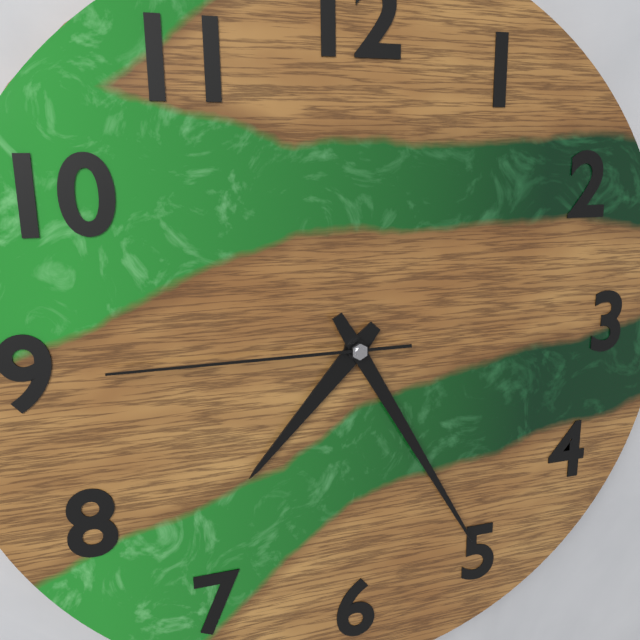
7:25:45
